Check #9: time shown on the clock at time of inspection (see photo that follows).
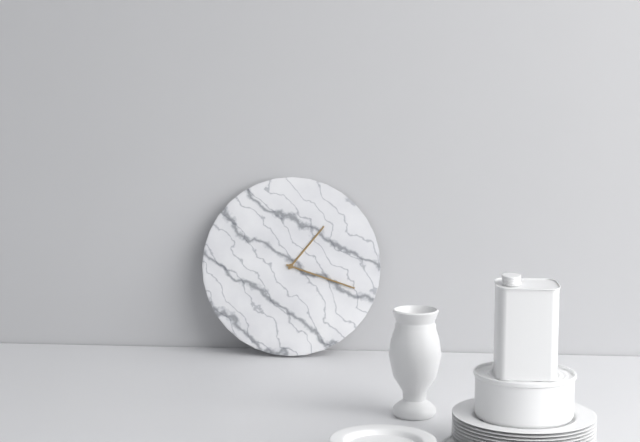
1:18
